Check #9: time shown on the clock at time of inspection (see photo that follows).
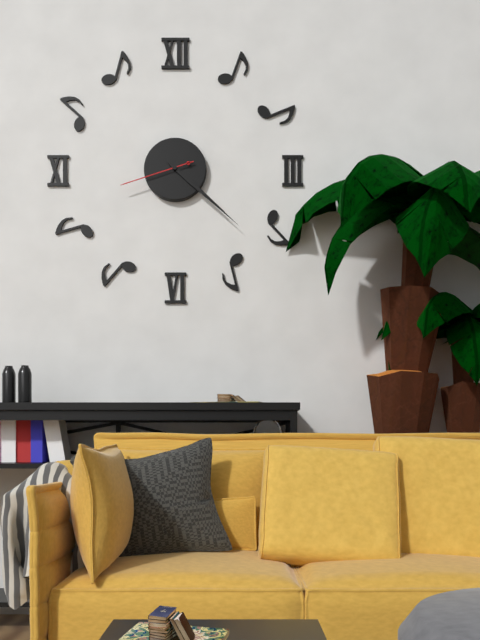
4:22:42
